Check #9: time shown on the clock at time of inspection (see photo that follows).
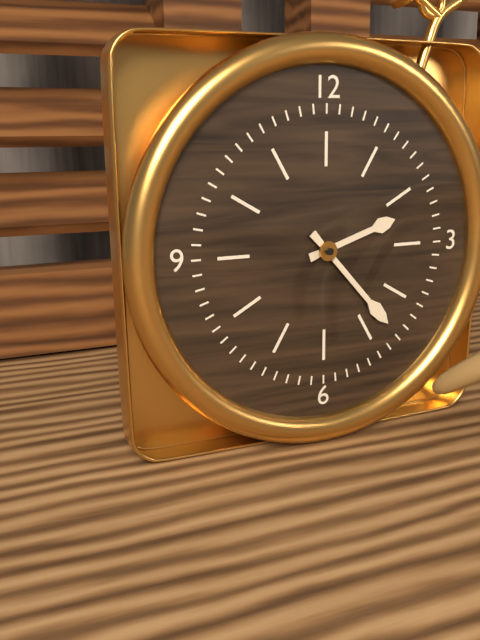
2:23
